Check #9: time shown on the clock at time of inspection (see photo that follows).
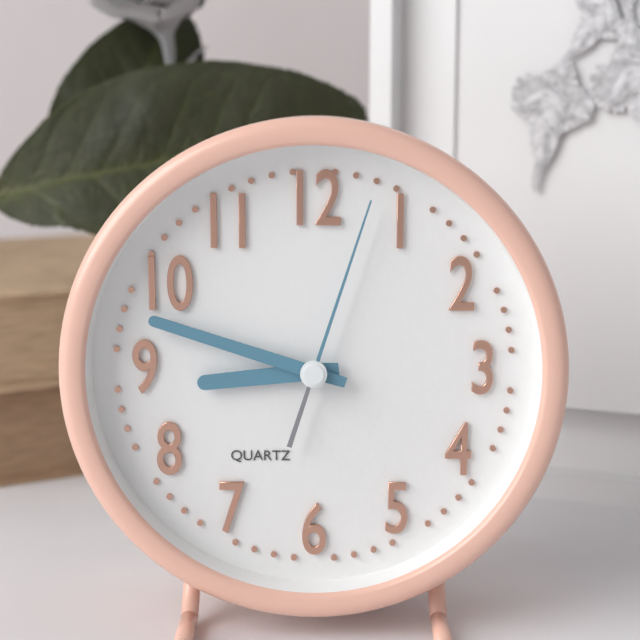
8:48:03
